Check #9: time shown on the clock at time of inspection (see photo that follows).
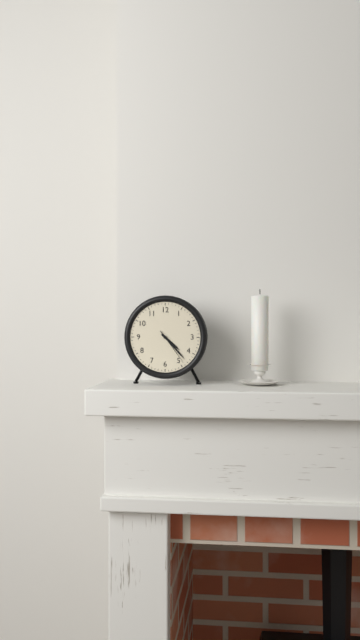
4:23
